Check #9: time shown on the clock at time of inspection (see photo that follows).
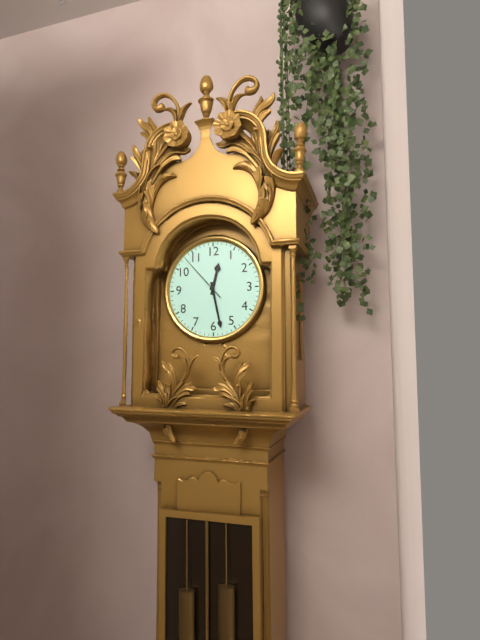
12:28:53
